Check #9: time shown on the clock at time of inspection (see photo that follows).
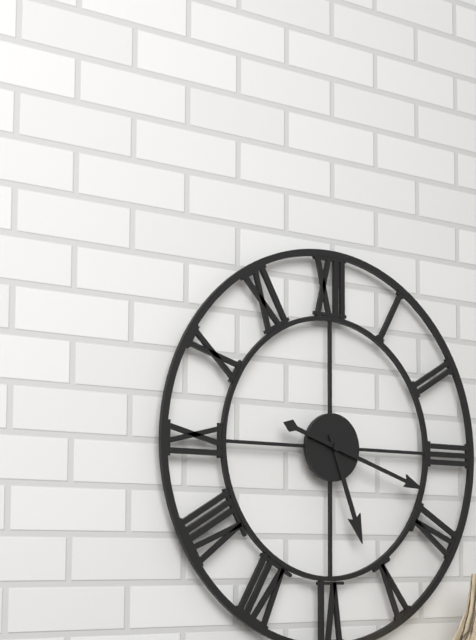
5:18
